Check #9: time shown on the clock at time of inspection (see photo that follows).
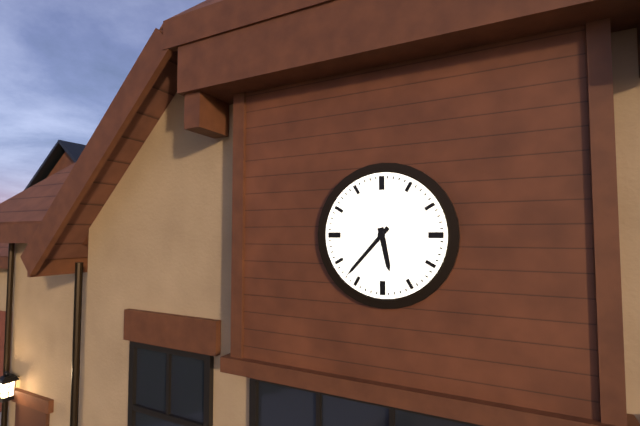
5:37
